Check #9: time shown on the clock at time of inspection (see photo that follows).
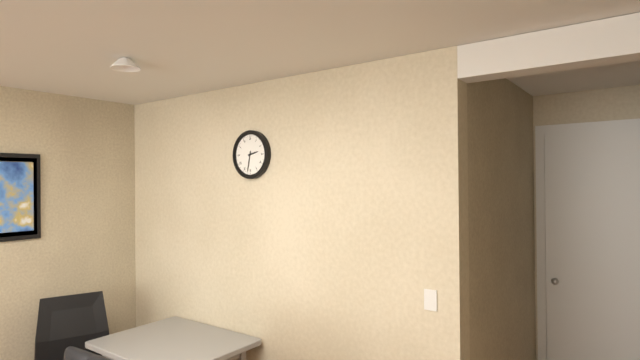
2:32
